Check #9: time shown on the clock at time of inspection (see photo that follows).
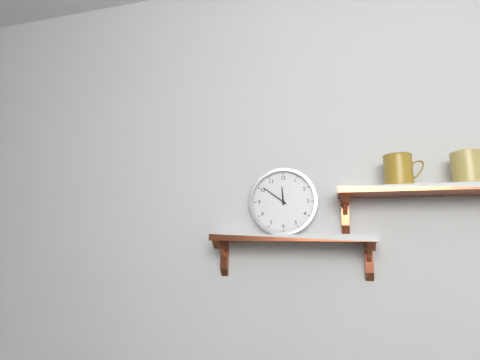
11:51
